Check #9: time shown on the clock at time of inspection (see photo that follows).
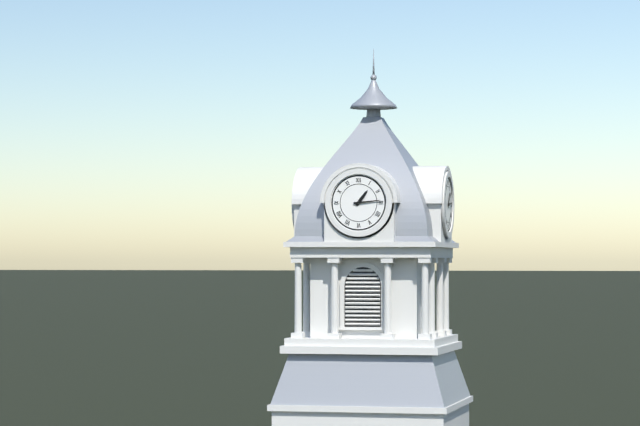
1:14
